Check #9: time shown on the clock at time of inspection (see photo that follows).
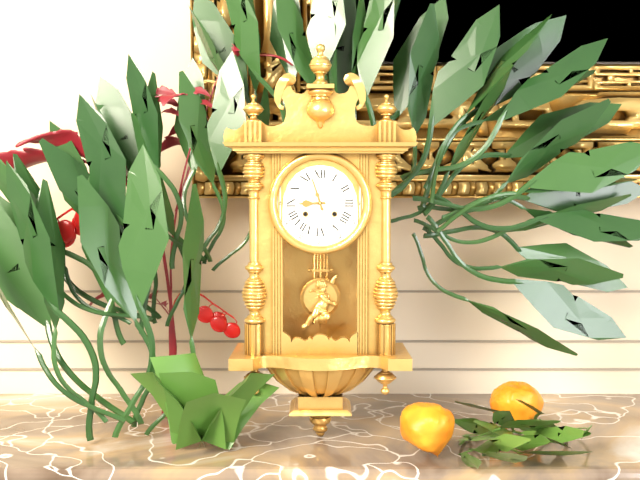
8:57
